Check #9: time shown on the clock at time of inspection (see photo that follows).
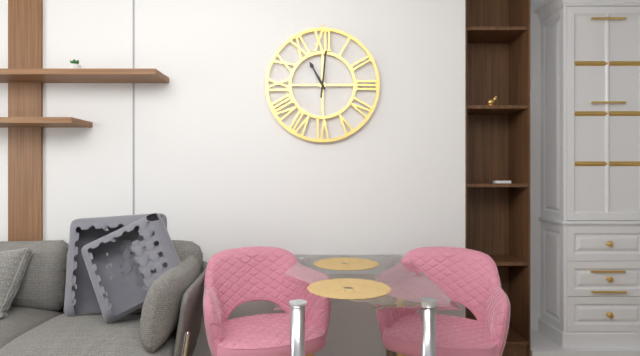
11:01
